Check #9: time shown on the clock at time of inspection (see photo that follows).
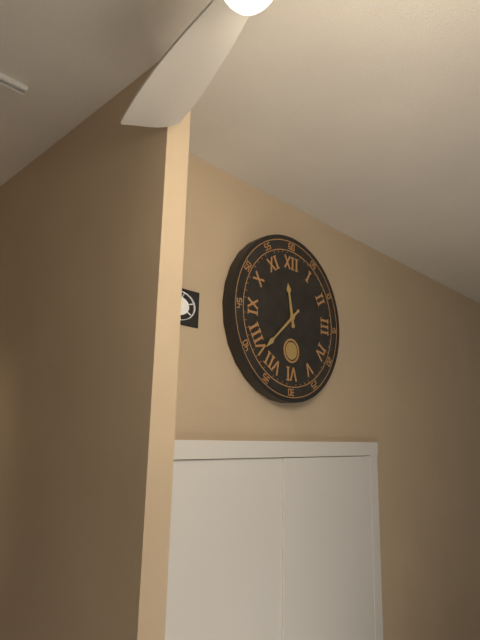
11:38
